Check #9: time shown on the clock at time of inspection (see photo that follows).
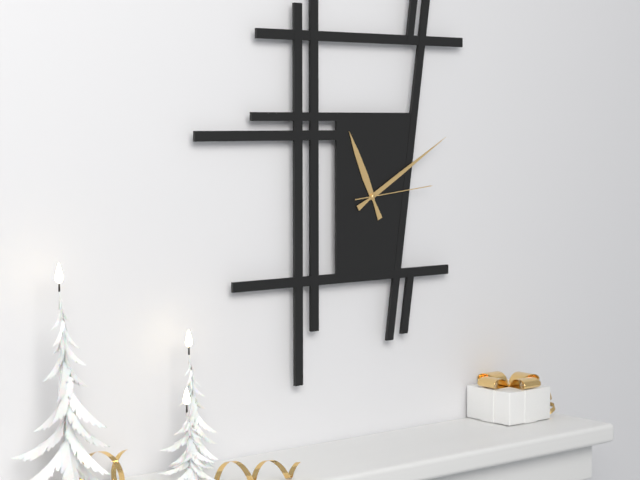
11:10:14
